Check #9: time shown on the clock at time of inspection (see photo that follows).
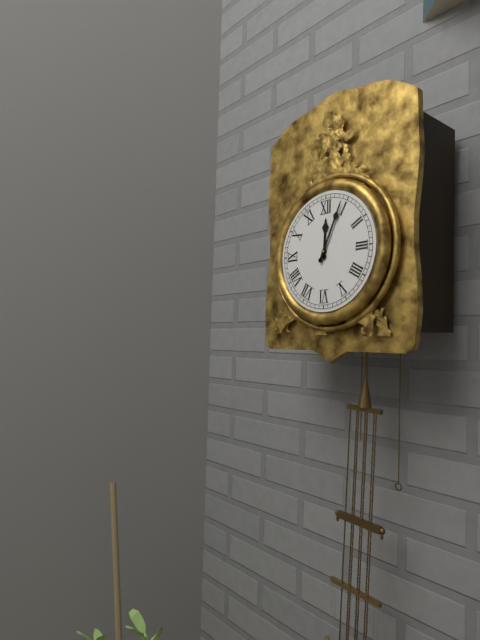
12:04
